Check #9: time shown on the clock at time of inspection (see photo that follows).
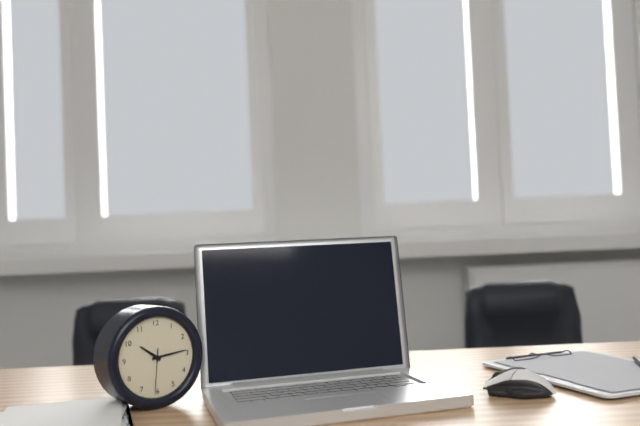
10:14
